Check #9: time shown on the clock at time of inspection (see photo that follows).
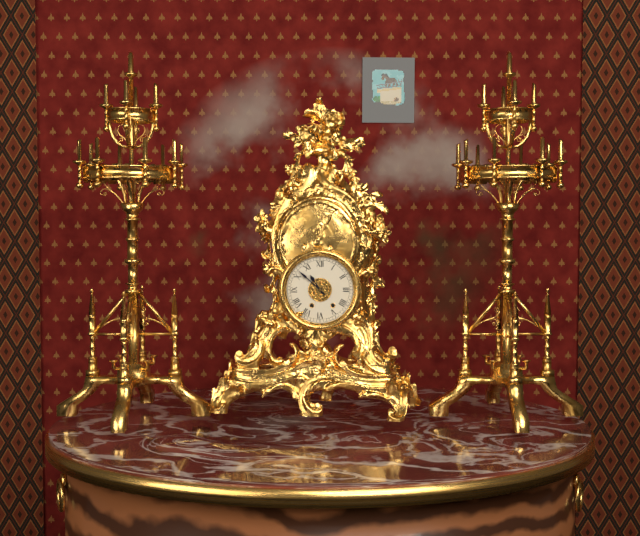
10:52
